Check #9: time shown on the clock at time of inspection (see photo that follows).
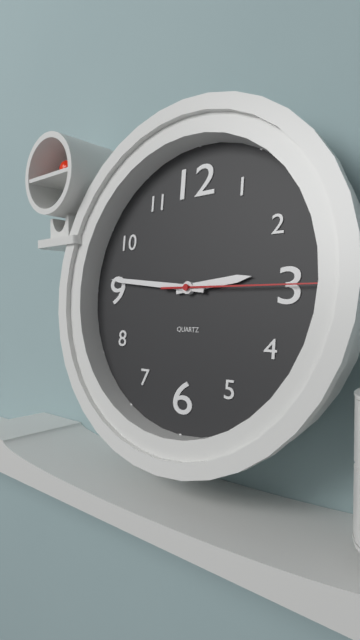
2:46:15
